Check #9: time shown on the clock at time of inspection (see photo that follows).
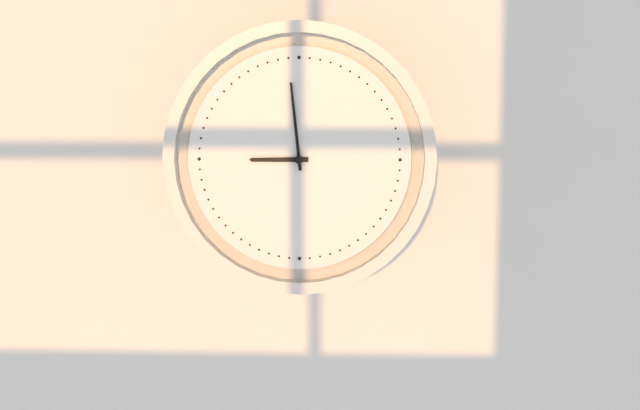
8:59
